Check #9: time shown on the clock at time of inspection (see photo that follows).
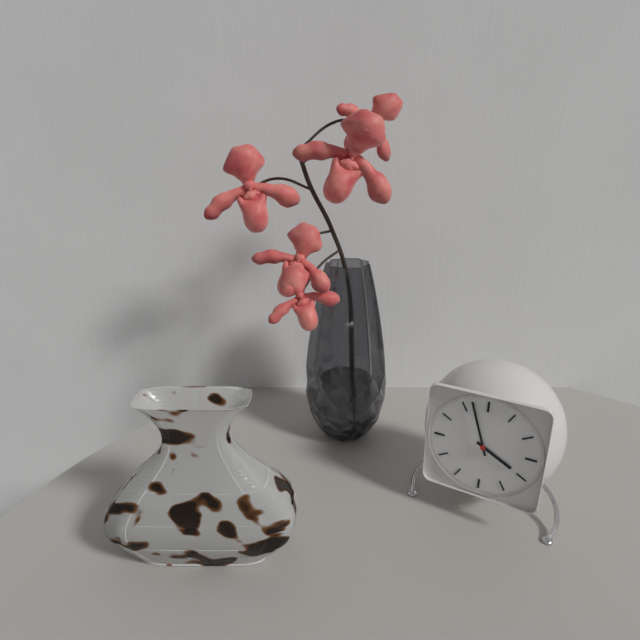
3:57
